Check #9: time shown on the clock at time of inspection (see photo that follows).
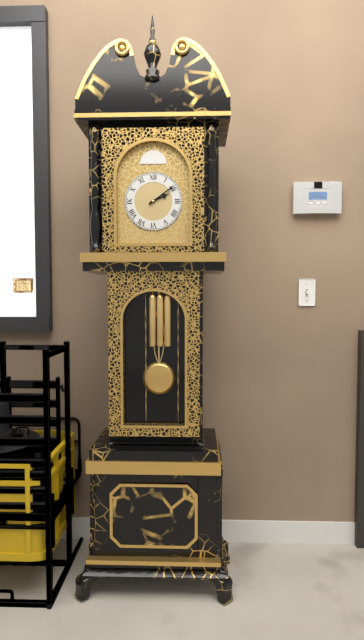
2:09
